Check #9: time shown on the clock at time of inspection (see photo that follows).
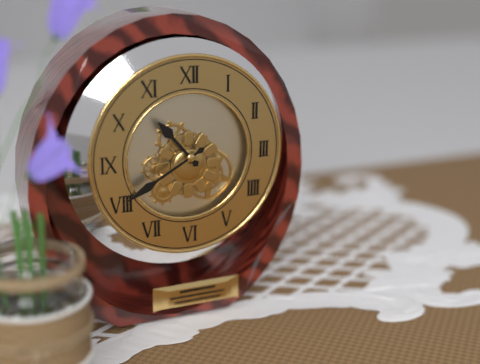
10:40
